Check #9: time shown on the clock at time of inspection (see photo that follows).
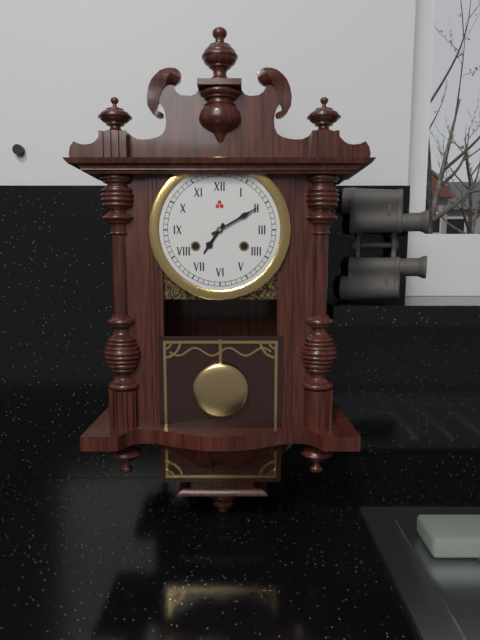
7:10
